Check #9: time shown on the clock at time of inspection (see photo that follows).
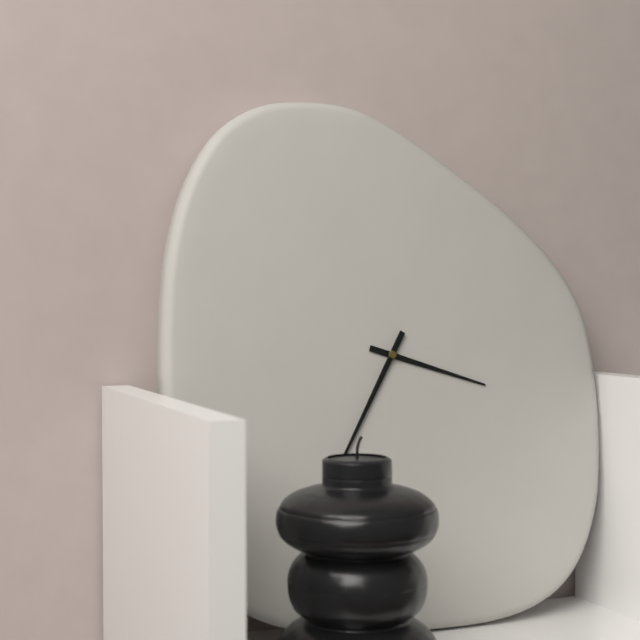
3:35
